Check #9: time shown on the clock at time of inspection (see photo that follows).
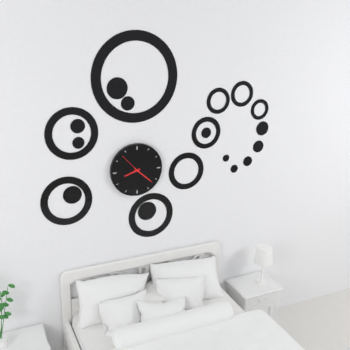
8:22
